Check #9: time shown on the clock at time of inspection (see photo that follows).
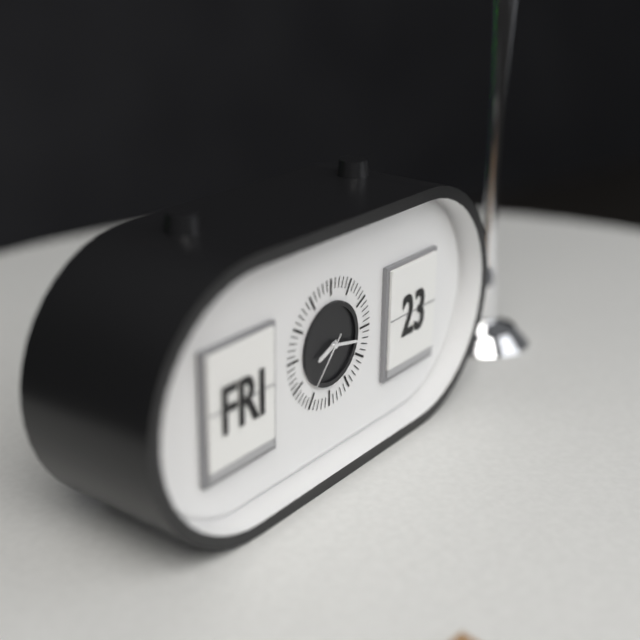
8:17:37
